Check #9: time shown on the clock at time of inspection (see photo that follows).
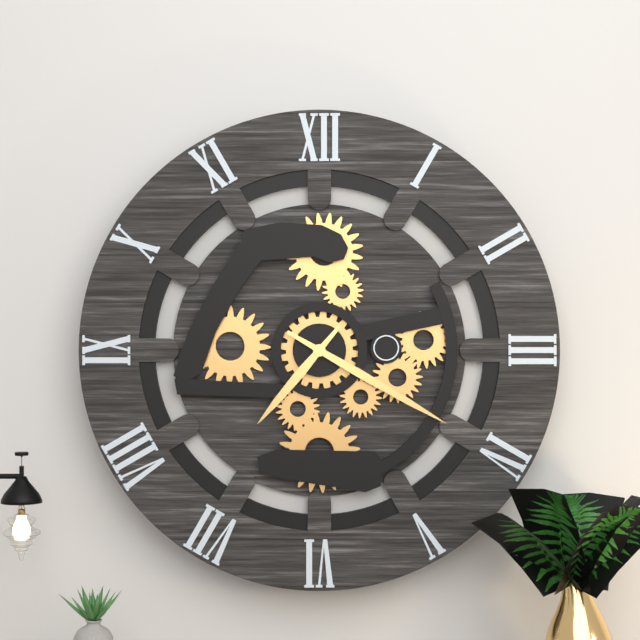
7:20
